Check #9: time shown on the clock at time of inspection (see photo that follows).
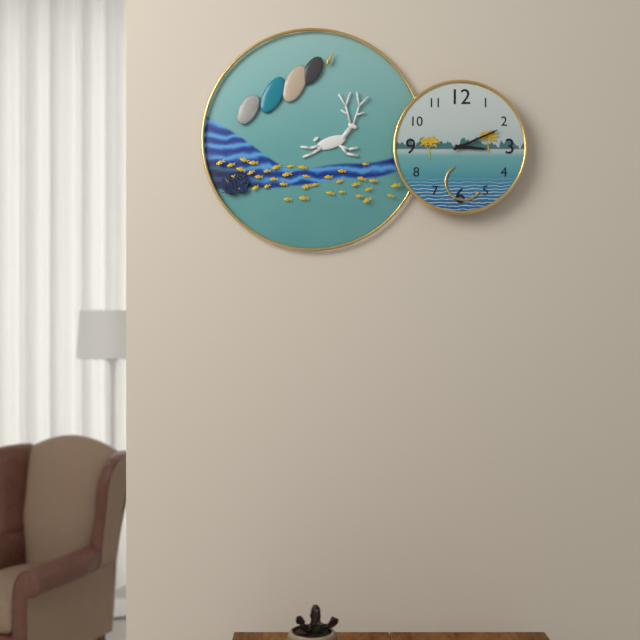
3:11
